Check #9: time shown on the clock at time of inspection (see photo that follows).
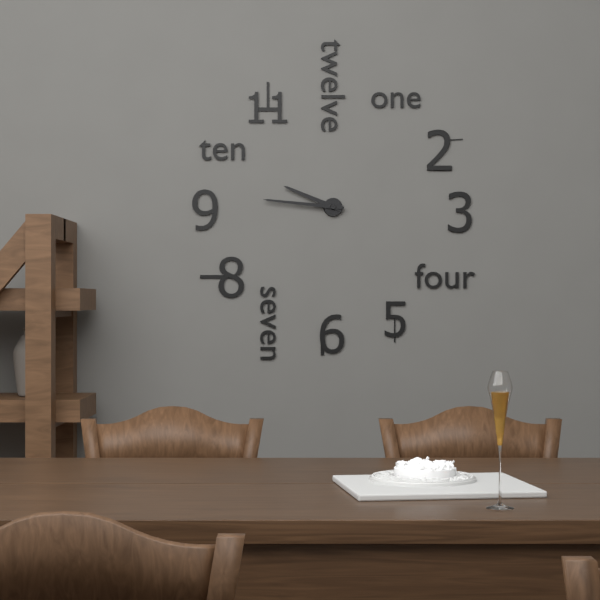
9:46
